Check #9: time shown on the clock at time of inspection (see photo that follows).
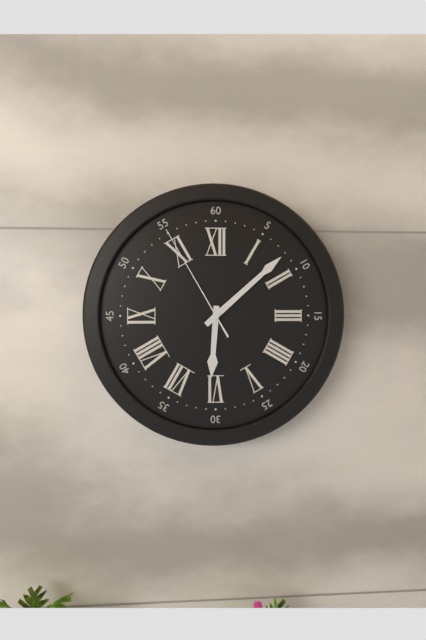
6:08:55
